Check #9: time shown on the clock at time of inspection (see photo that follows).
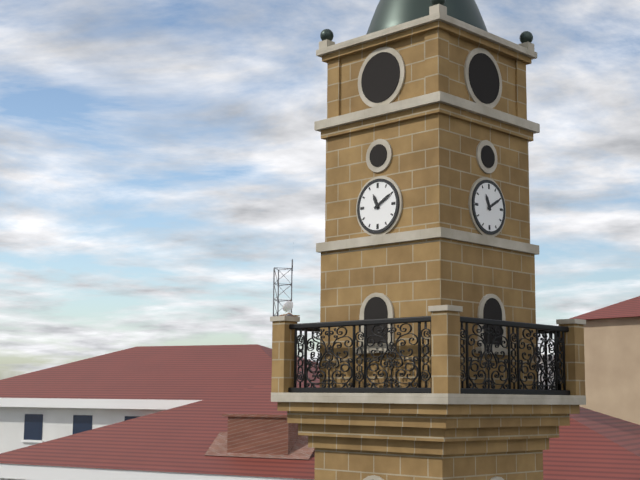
11:10
